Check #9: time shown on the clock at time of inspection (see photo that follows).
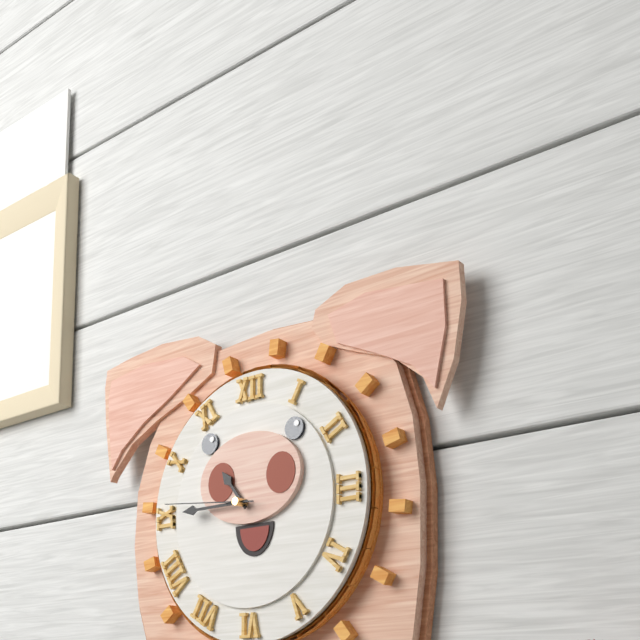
10:45:46
